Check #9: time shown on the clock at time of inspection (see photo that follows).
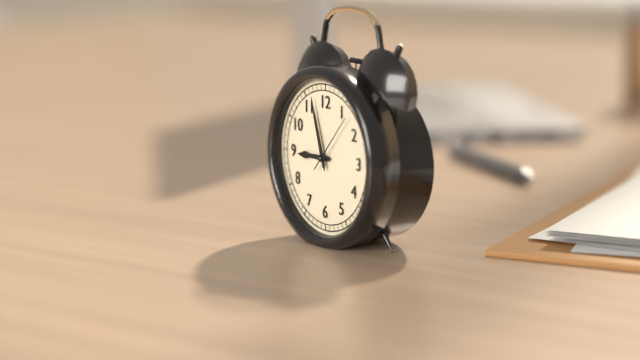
8:57:07
